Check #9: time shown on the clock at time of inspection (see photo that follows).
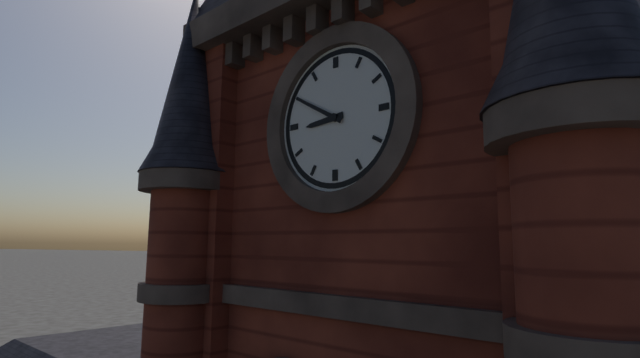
8:50
